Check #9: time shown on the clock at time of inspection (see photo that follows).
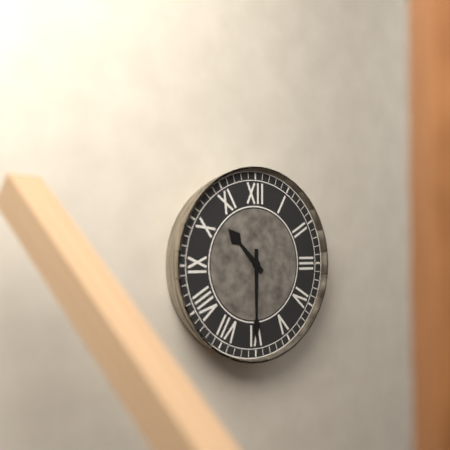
10:30
